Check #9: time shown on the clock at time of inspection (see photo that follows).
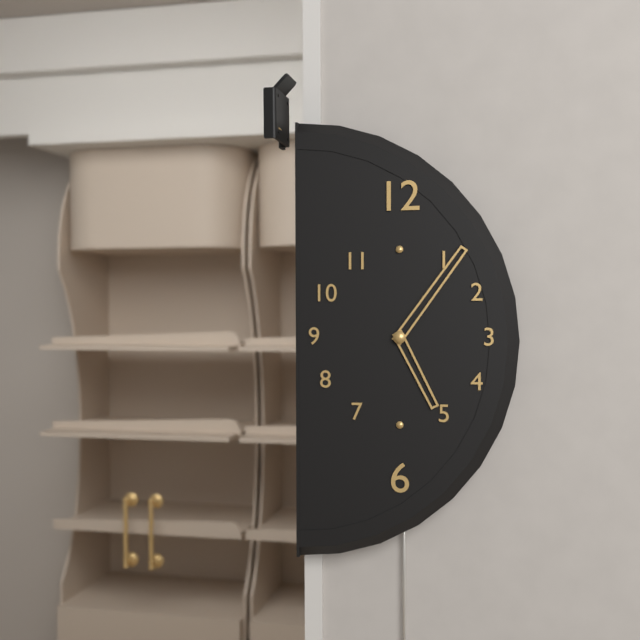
5:06
